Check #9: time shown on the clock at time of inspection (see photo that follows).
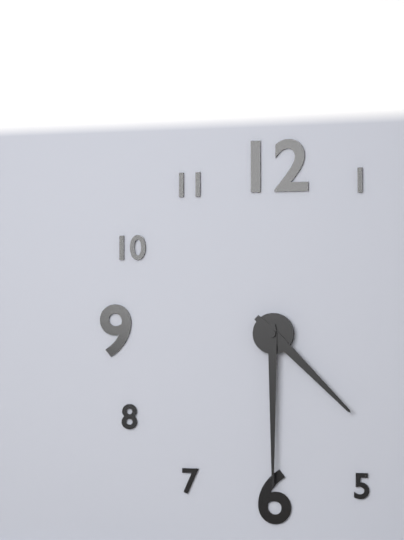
4:30
